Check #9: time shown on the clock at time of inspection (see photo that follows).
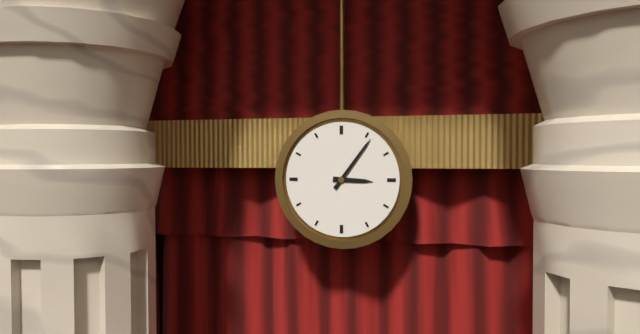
3:06
